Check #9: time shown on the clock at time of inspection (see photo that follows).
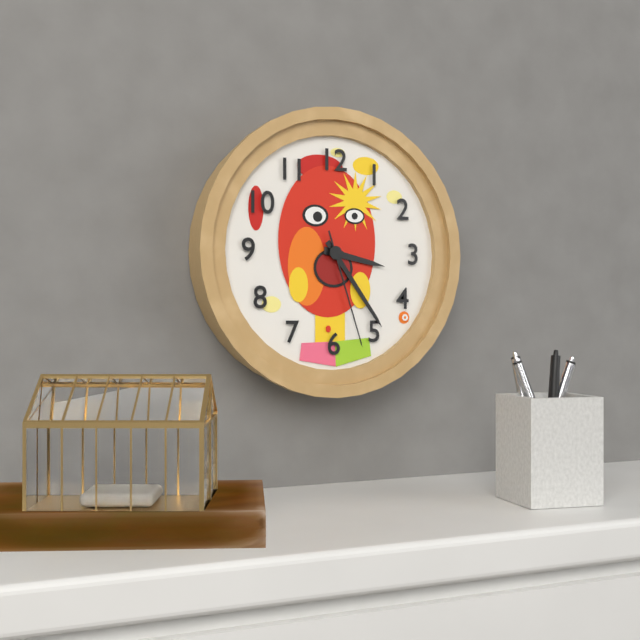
3:24:27
